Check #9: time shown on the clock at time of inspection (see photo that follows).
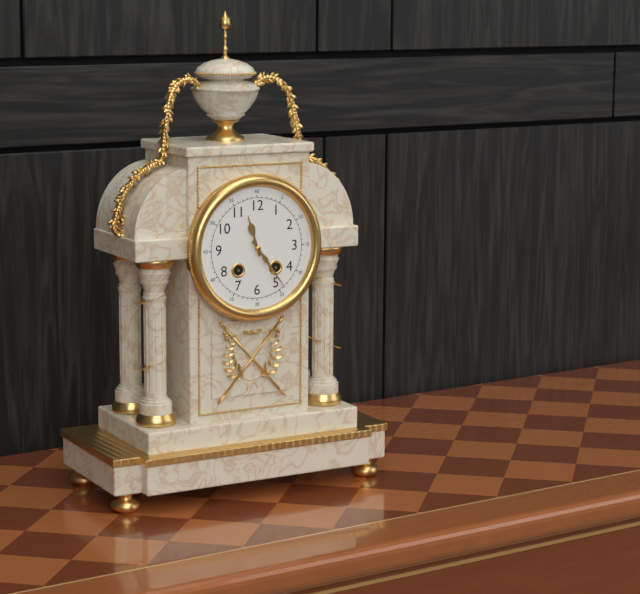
11:24
